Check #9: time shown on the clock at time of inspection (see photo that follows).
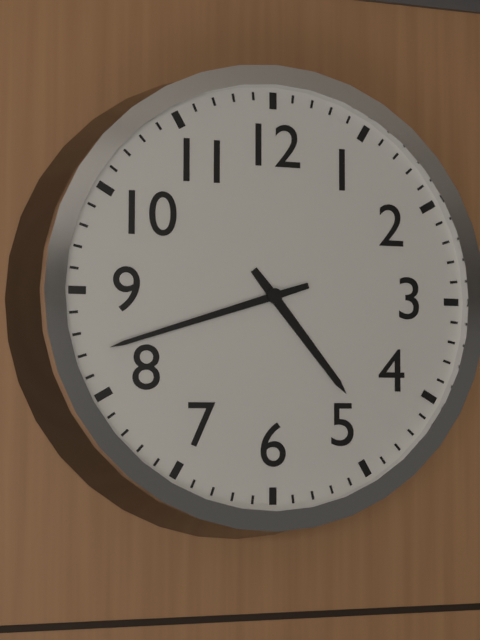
4:42
